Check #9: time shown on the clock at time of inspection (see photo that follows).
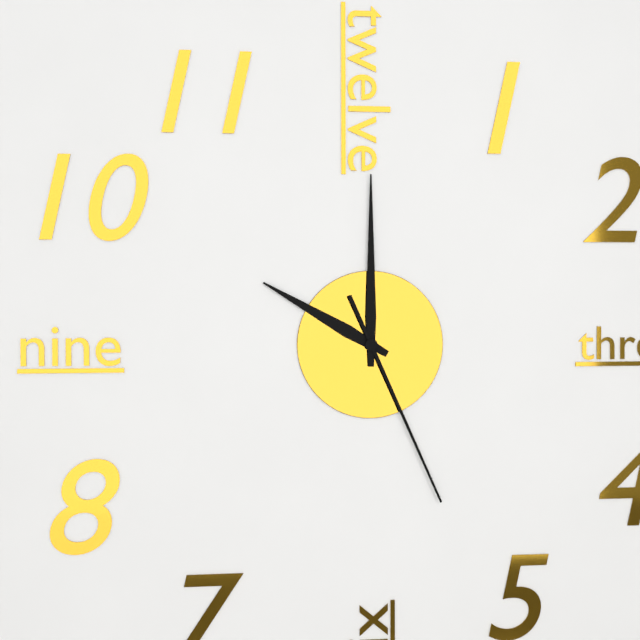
10:00:26
